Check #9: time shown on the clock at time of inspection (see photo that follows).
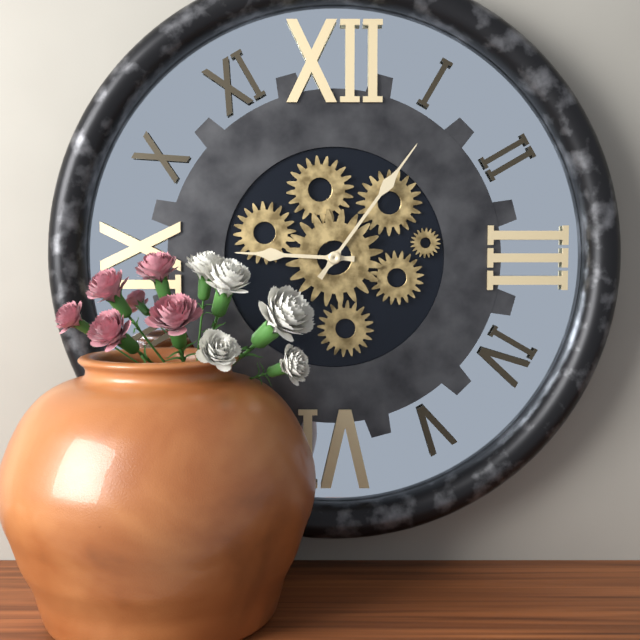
9:06
